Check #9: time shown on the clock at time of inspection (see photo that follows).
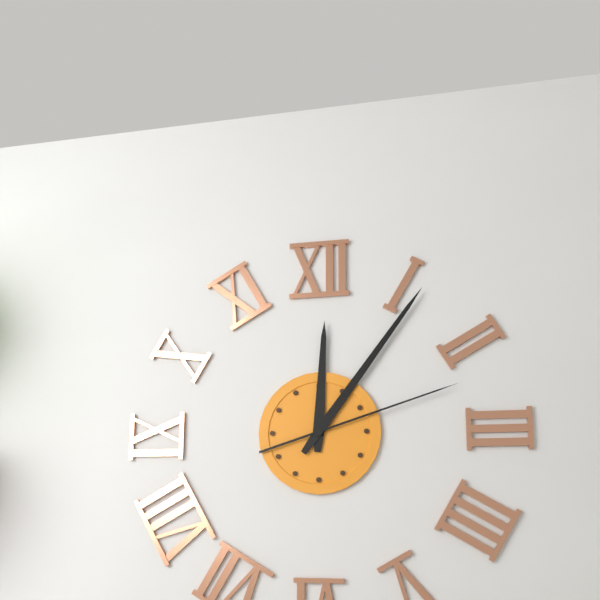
12:06:12
